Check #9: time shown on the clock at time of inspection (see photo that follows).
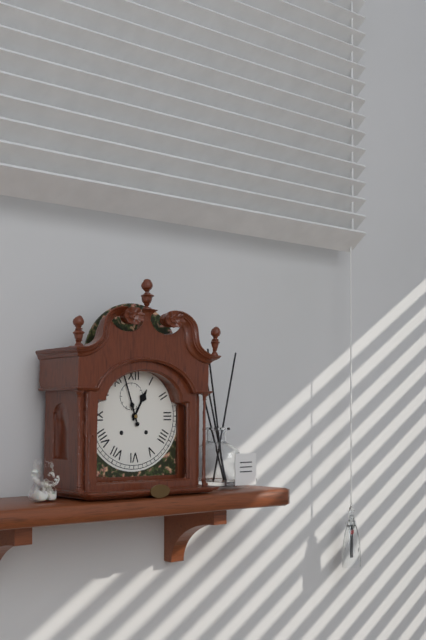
12:57
